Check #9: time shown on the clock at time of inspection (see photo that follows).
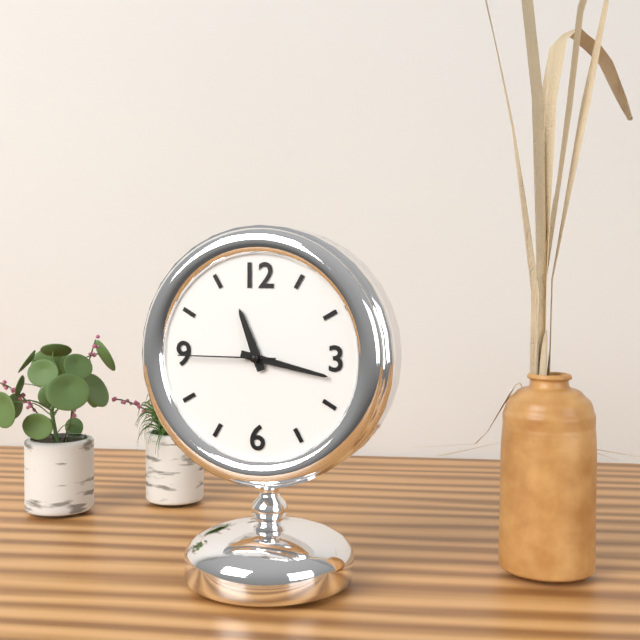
11:17:45
